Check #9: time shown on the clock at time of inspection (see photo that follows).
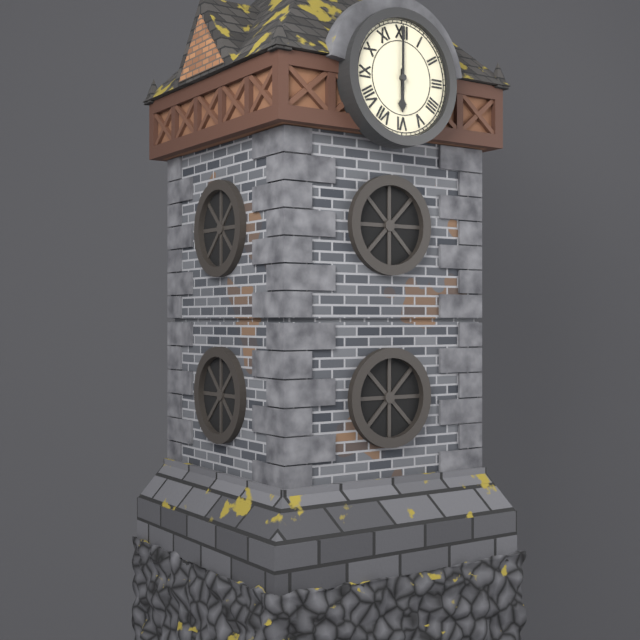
6:00
